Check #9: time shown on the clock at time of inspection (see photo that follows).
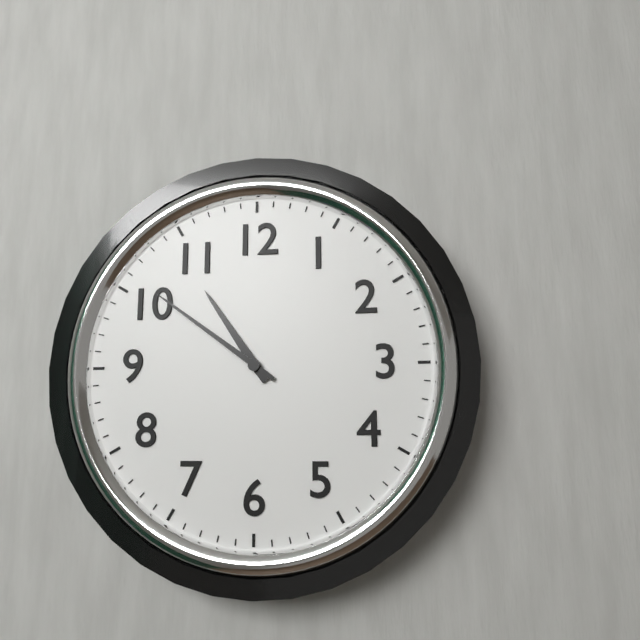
10:51
